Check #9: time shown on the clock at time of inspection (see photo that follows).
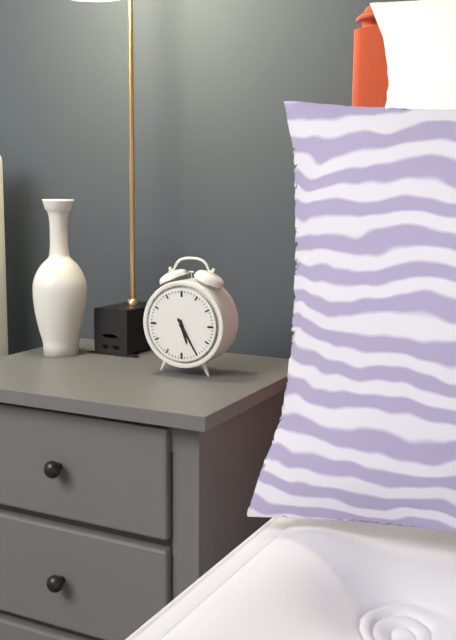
5:25
